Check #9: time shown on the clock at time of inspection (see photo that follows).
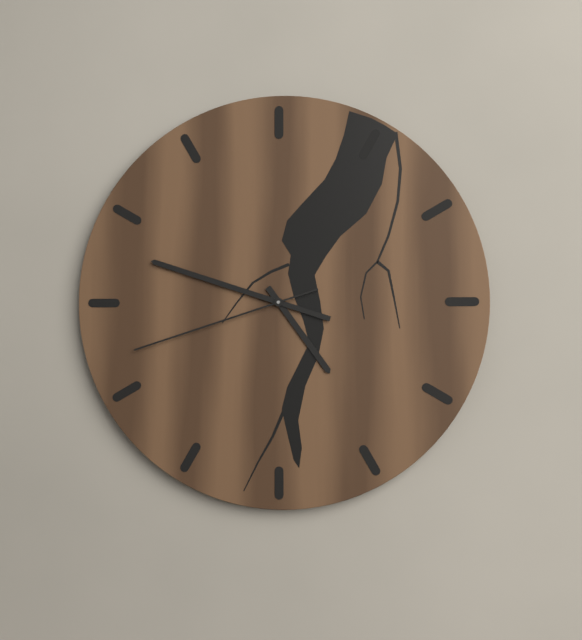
4:48:42
